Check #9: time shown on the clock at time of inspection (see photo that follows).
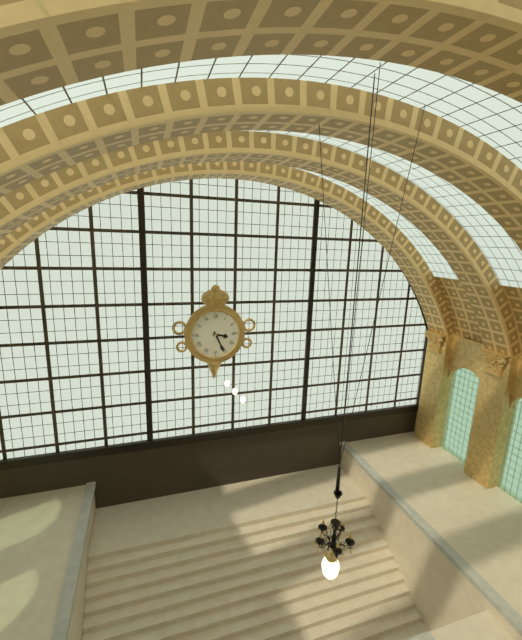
3:26
